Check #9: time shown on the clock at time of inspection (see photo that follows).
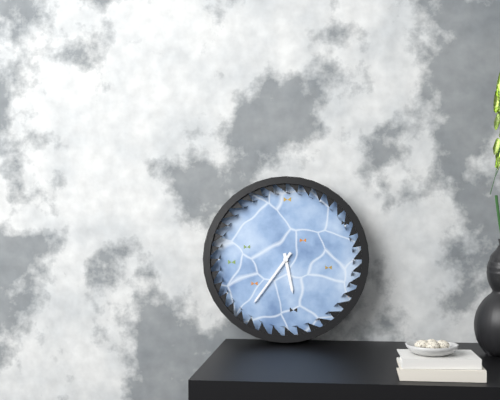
5:36
